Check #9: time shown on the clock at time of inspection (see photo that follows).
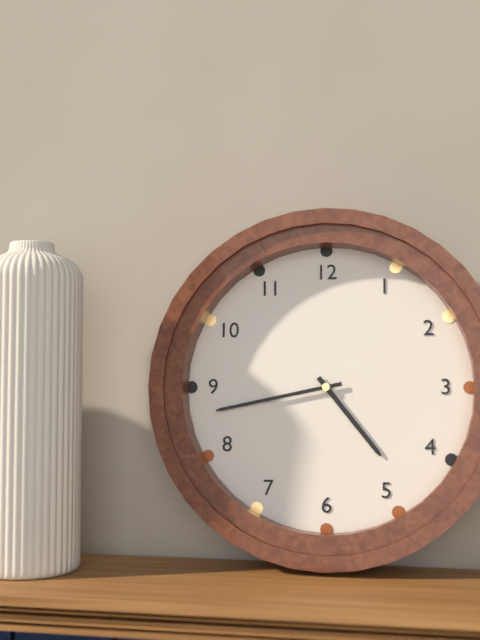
4:43
